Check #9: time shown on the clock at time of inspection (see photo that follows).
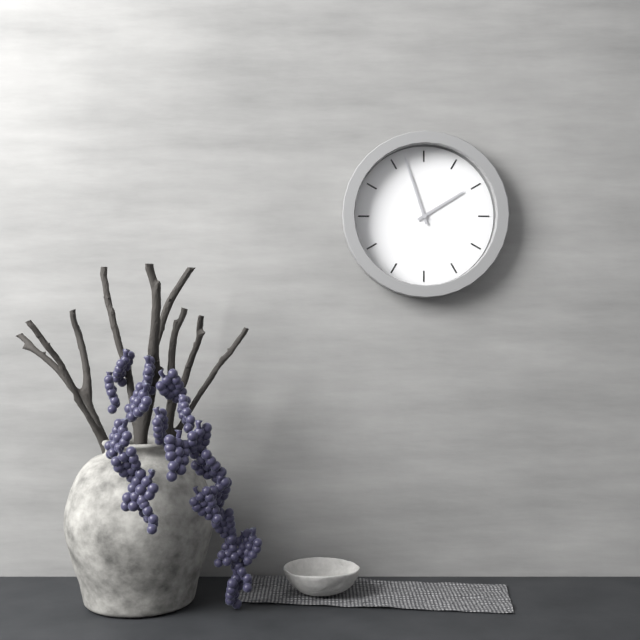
1:57
